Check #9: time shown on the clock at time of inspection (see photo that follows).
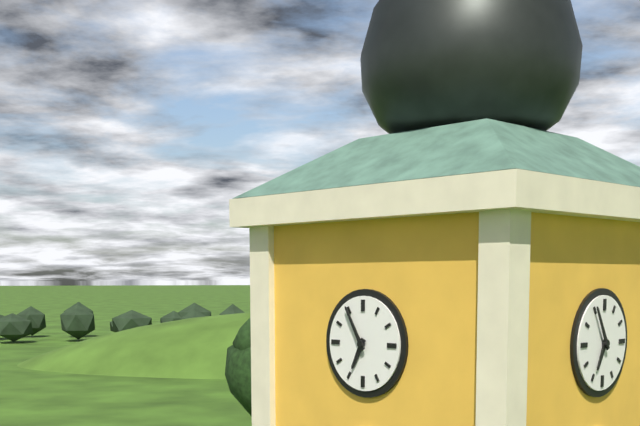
6:55
